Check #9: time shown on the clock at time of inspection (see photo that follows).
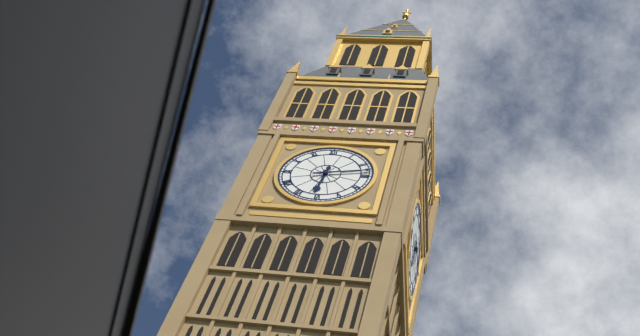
6:13
